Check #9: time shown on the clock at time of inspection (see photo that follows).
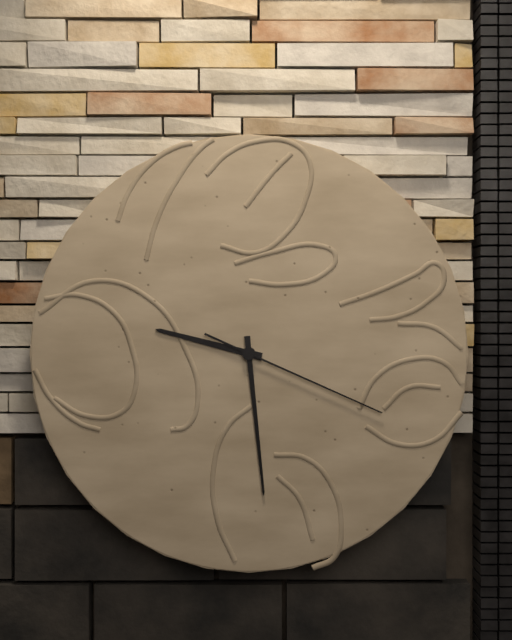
9:29:19
